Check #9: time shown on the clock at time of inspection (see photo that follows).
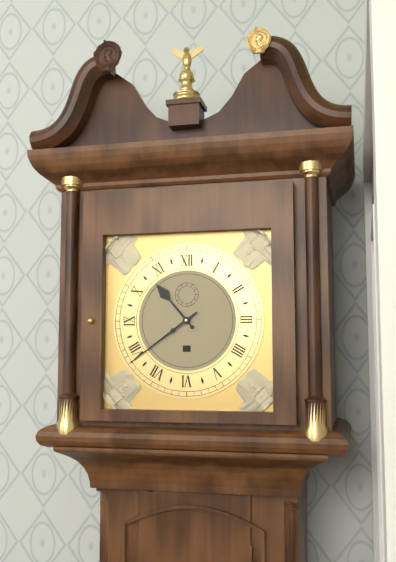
10:39
